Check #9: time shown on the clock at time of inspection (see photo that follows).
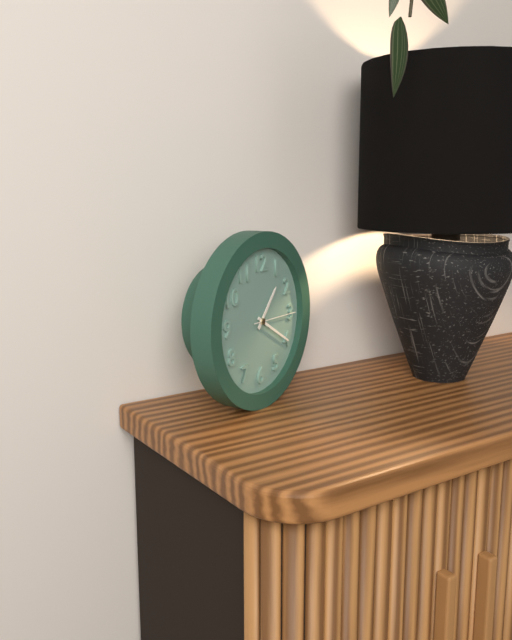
1:20
